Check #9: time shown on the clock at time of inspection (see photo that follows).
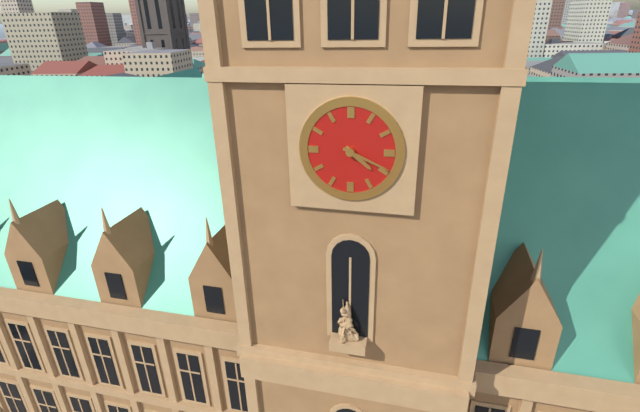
4:19
